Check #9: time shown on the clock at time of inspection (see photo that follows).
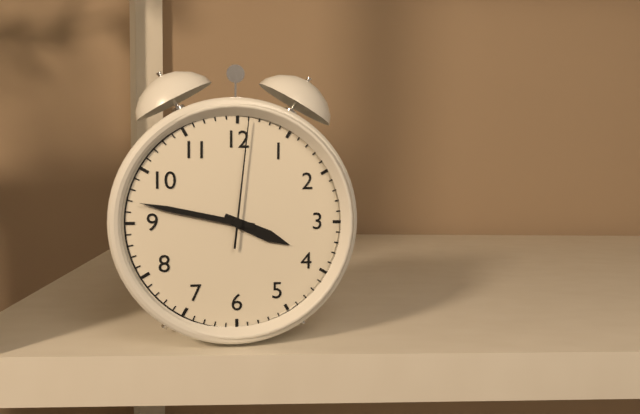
3:47:01
